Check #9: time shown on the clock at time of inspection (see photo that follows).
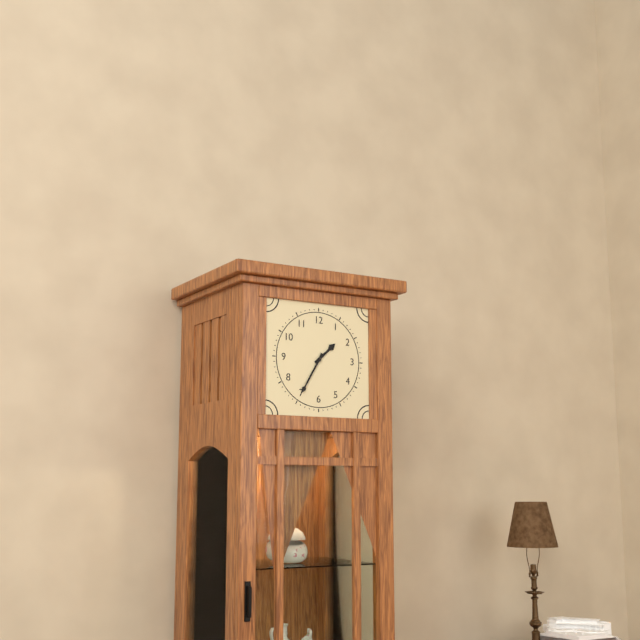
1:35
